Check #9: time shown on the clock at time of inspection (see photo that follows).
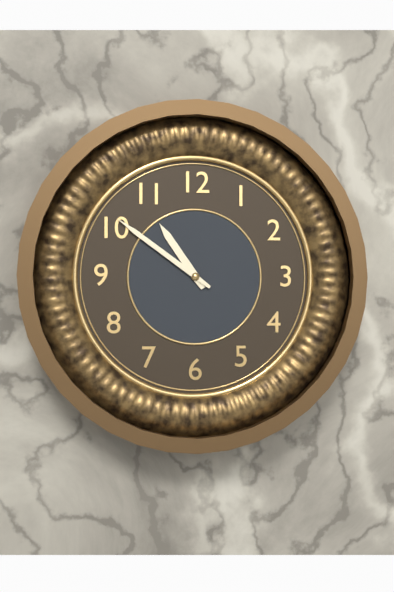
10:51
